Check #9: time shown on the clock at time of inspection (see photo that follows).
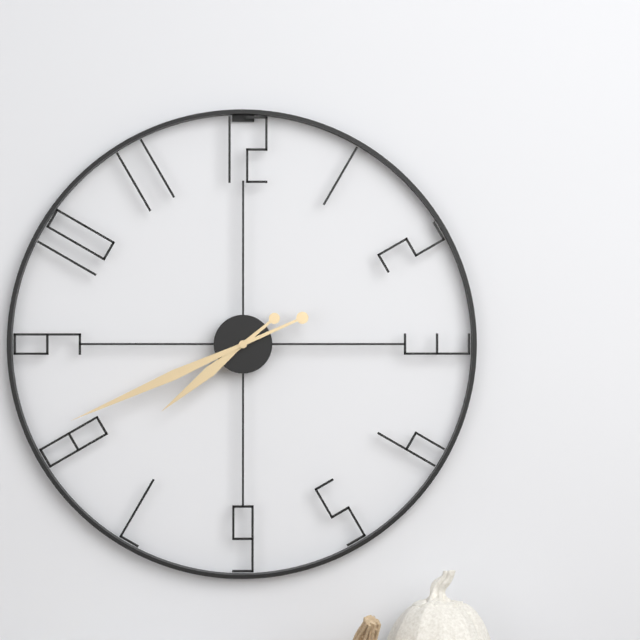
7:41
